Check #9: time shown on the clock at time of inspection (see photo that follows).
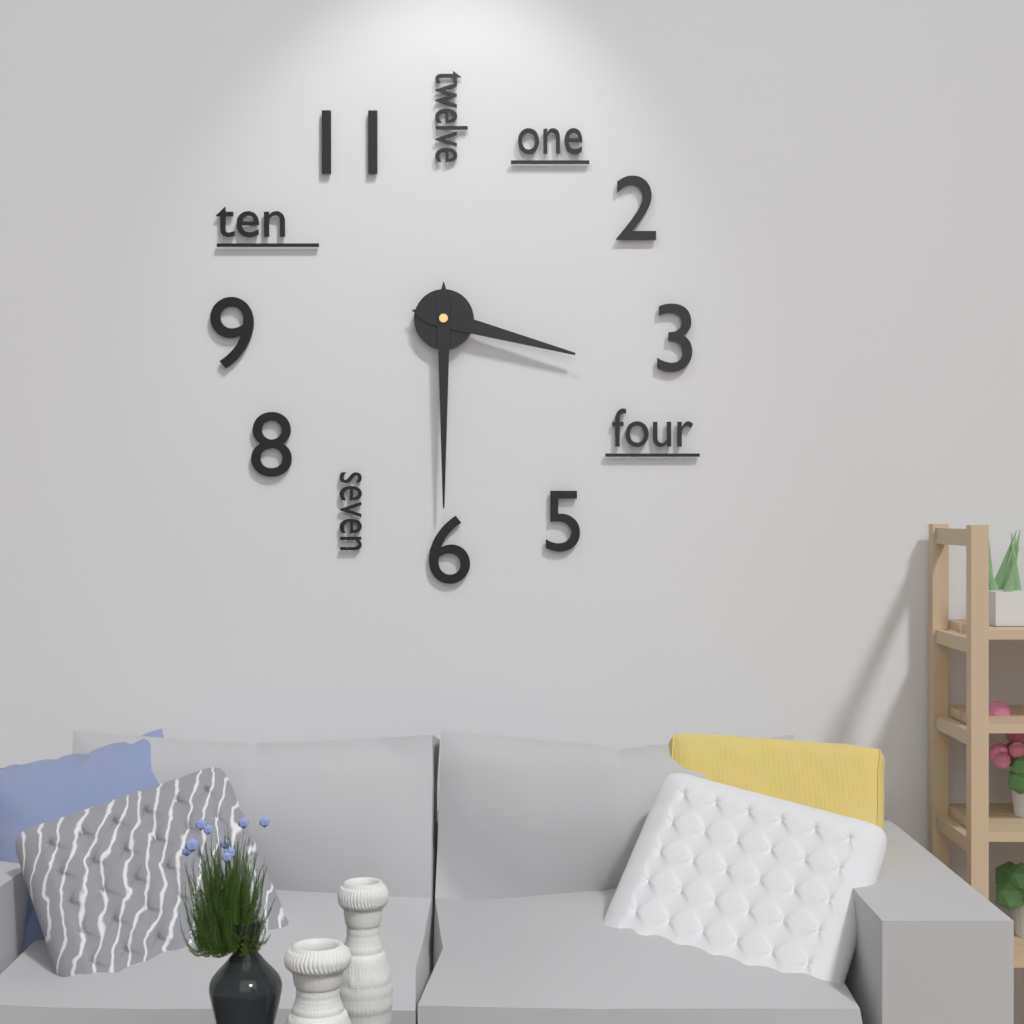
3:30
